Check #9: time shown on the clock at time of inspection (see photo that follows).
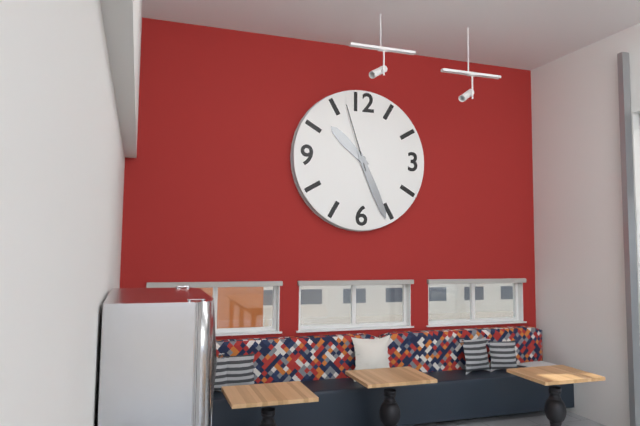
10:26:57
